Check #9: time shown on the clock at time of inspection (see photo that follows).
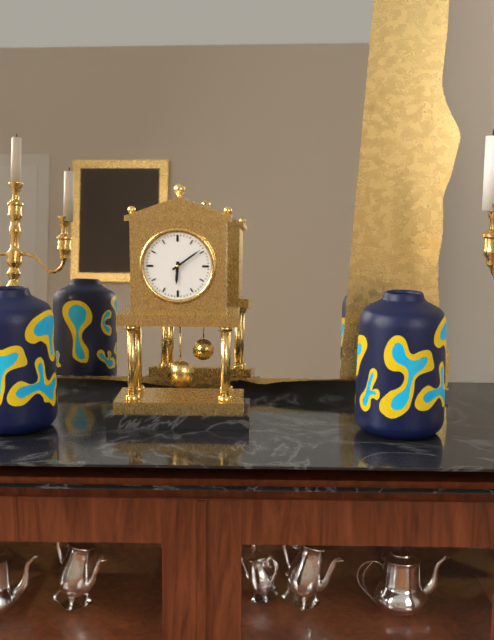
6:09
